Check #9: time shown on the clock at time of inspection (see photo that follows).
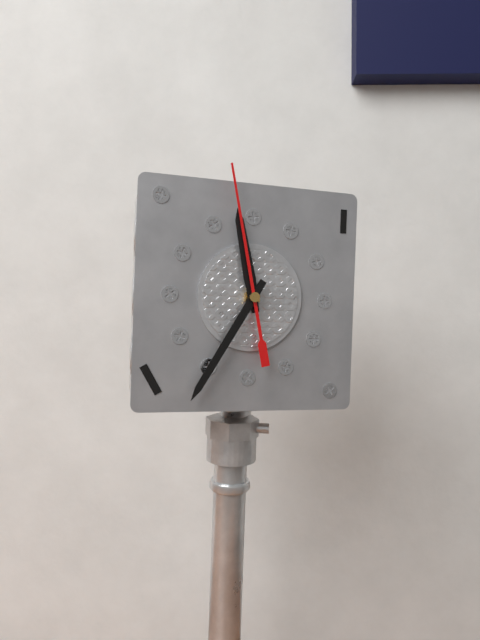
11:35:58
